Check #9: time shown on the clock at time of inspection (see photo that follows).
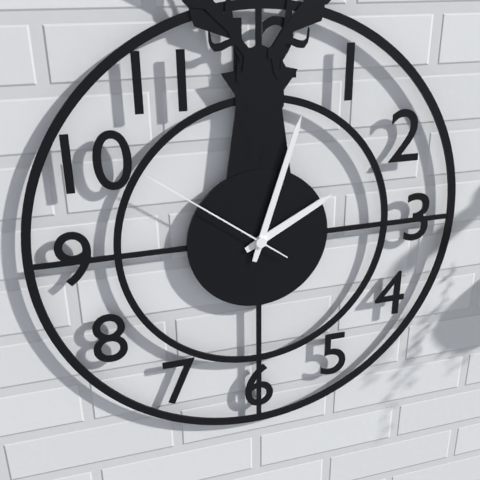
2:03:51
